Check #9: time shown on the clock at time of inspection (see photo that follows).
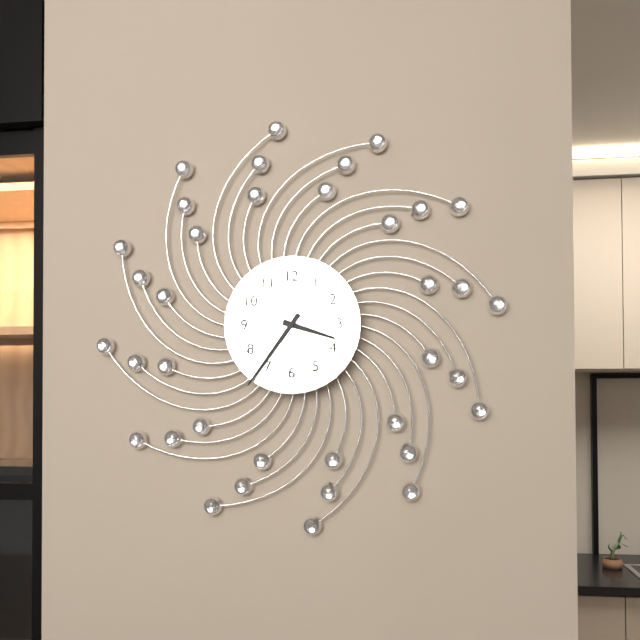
3:36
